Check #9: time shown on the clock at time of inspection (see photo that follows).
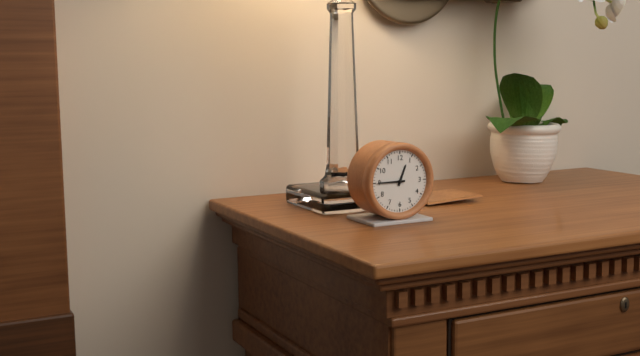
12:45
